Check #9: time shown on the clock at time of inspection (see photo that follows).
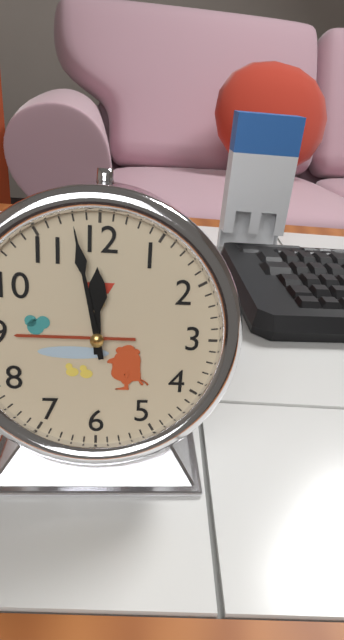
11:58
